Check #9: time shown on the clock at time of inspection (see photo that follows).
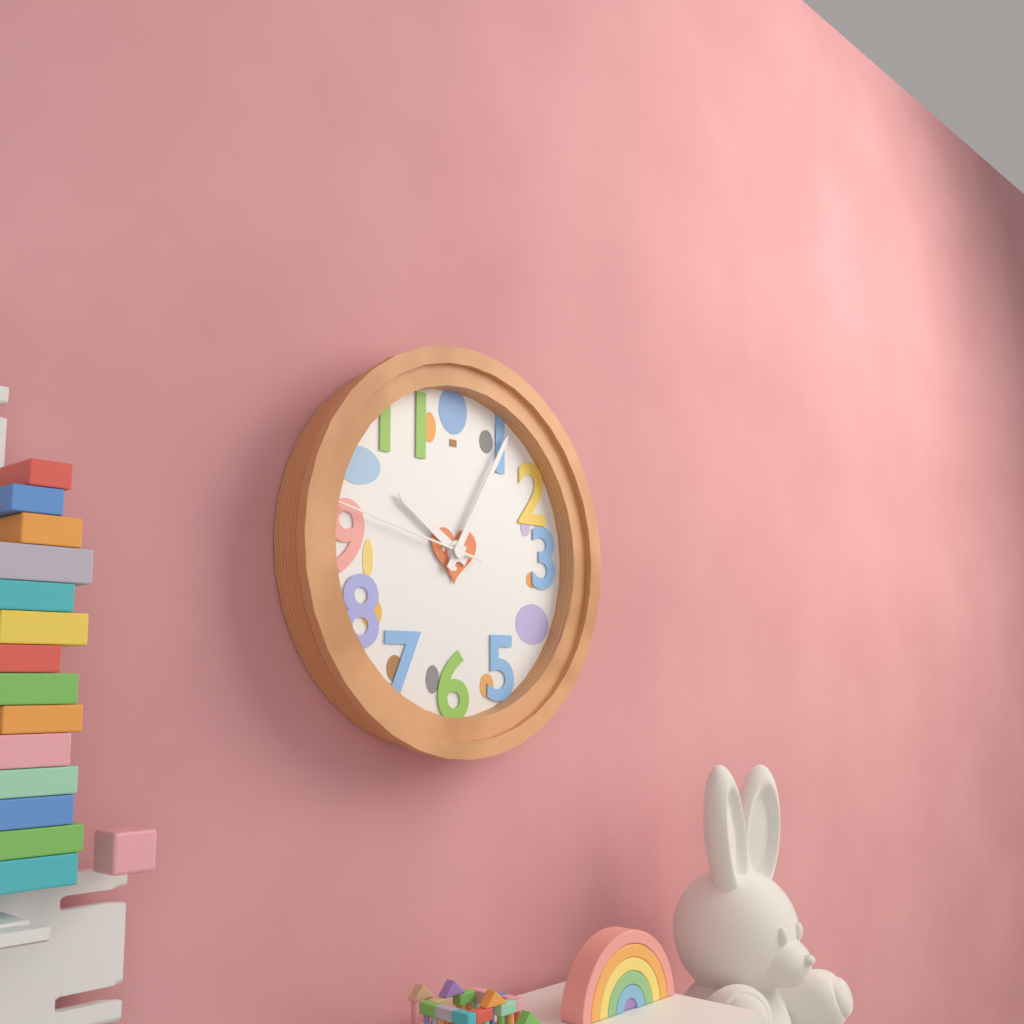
10:05:47
